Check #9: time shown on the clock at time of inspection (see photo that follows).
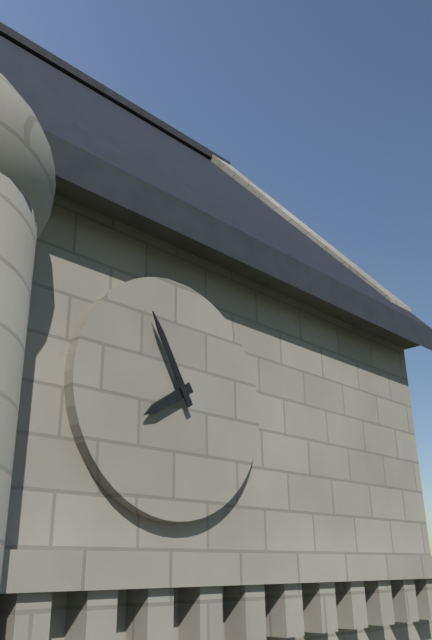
7:55
